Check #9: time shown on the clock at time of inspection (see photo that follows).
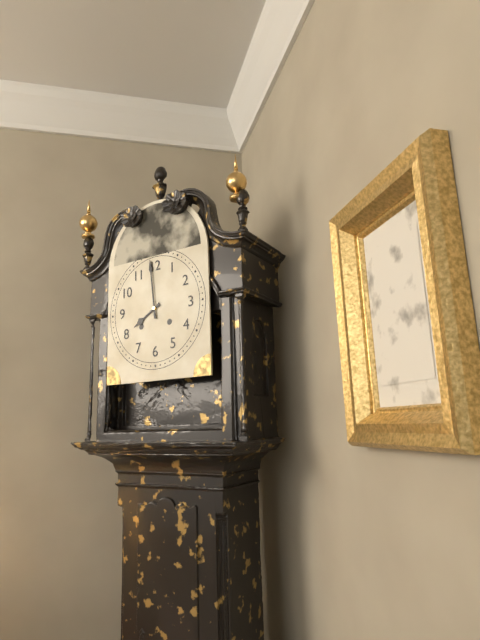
7:59
